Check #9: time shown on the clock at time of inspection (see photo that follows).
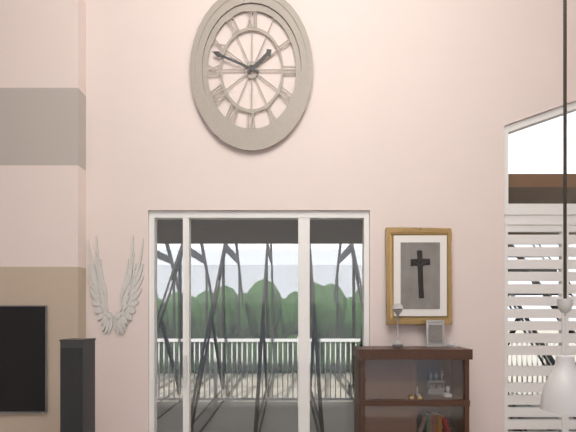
1:48
